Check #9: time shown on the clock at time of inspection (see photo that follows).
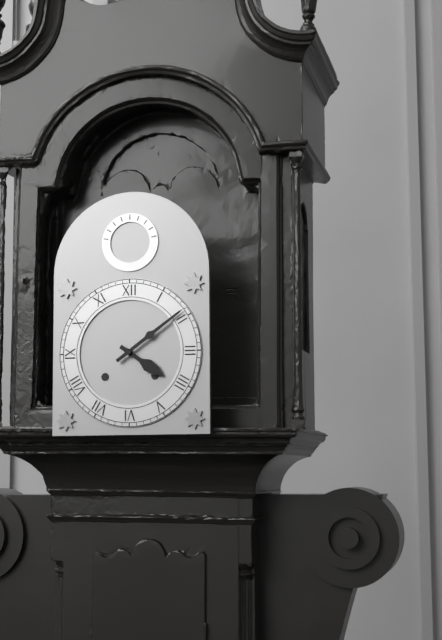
4:09
